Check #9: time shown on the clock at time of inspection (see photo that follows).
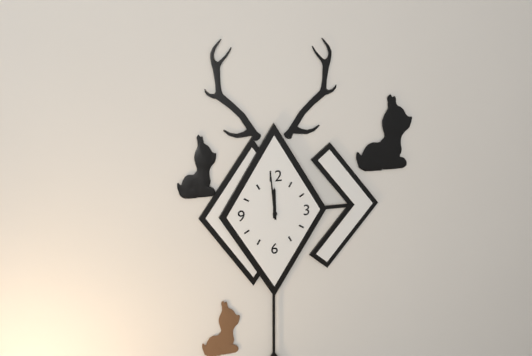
11:59
